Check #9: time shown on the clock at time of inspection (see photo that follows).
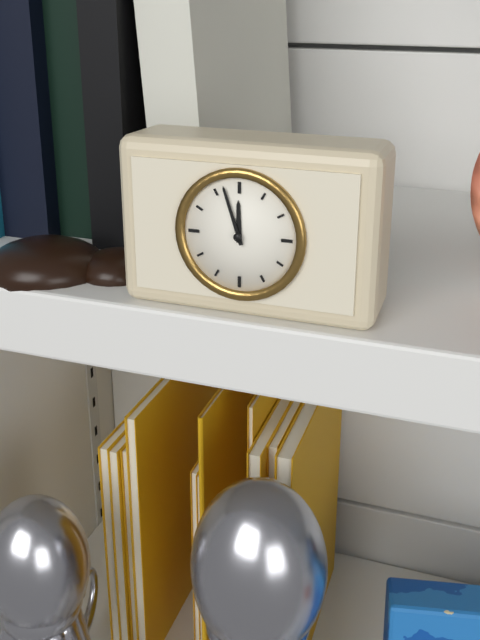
11:57
